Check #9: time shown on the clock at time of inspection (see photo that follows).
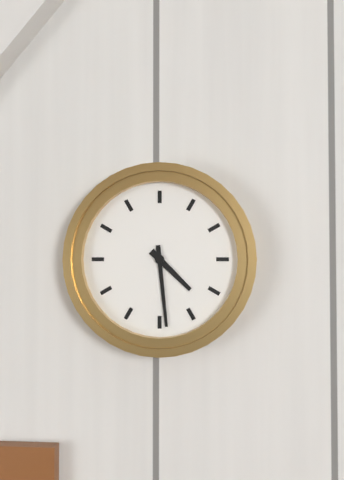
4:29
